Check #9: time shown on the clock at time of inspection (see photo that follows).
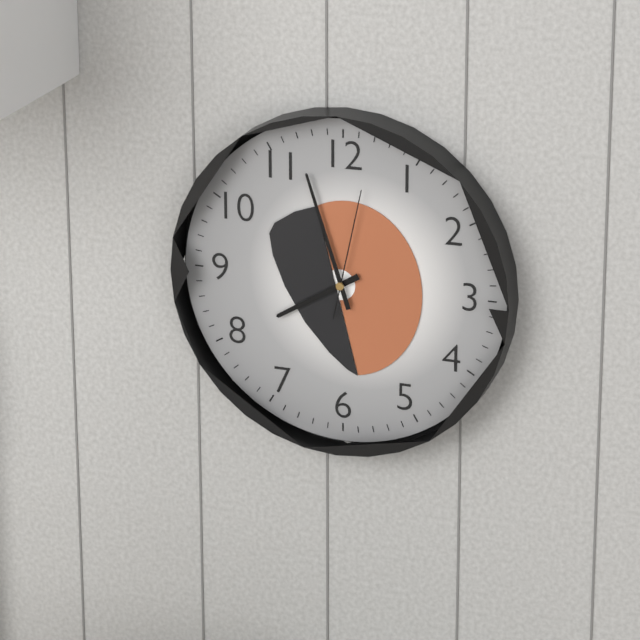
7:57:02
